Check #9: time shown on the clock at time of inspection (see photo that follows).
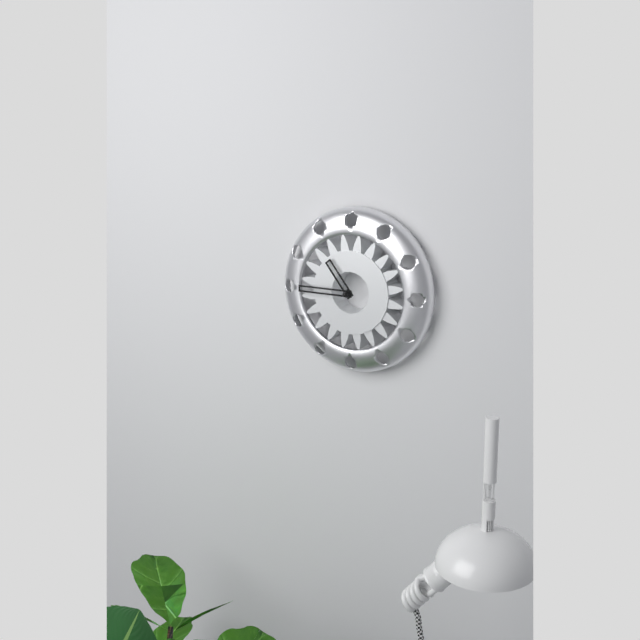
10:45
